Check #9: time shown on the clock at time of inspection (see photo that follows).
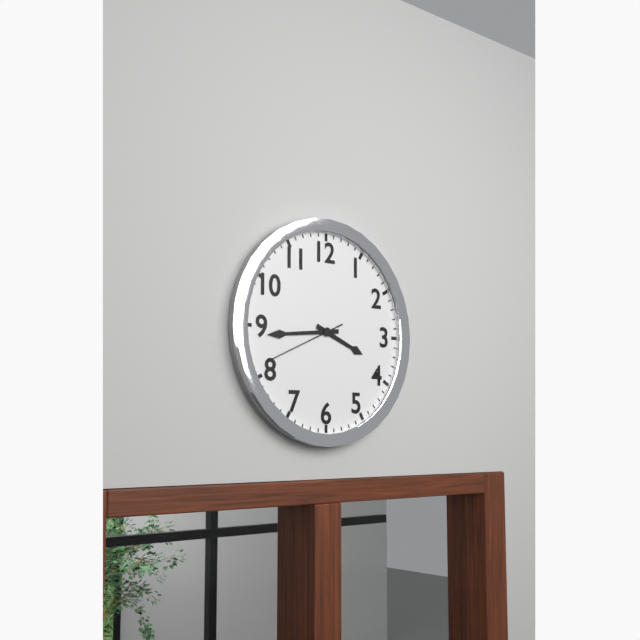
3:44:41
